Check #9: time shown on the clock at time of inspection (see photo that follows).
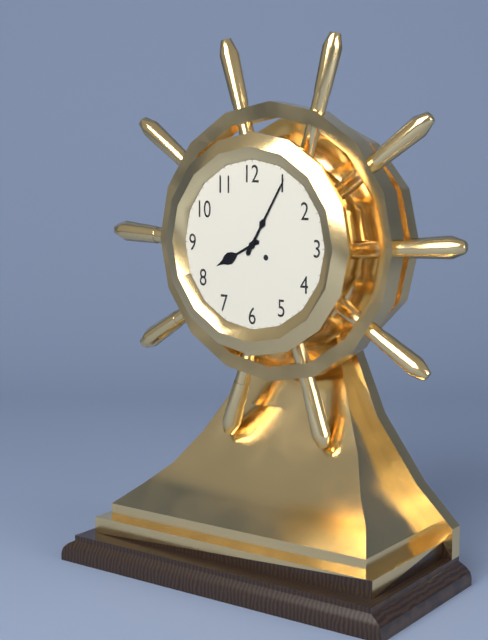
8:05
